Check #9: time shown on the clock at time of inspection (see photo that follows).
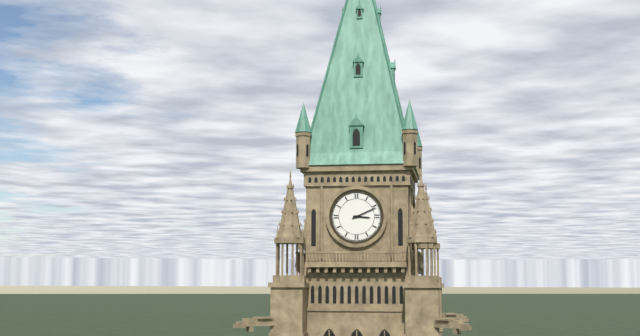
3:11
